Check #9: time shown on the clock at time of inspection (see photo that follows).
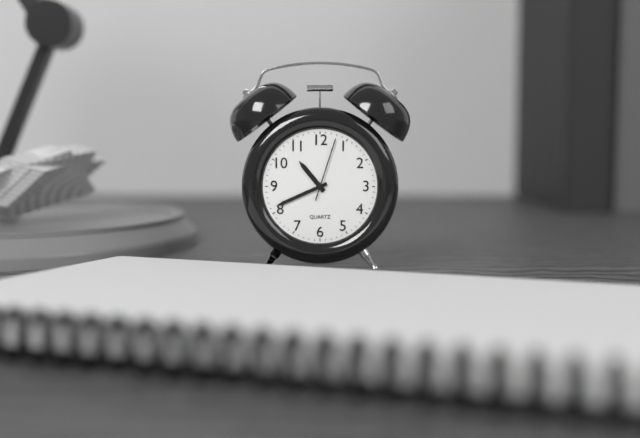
10:41:03
